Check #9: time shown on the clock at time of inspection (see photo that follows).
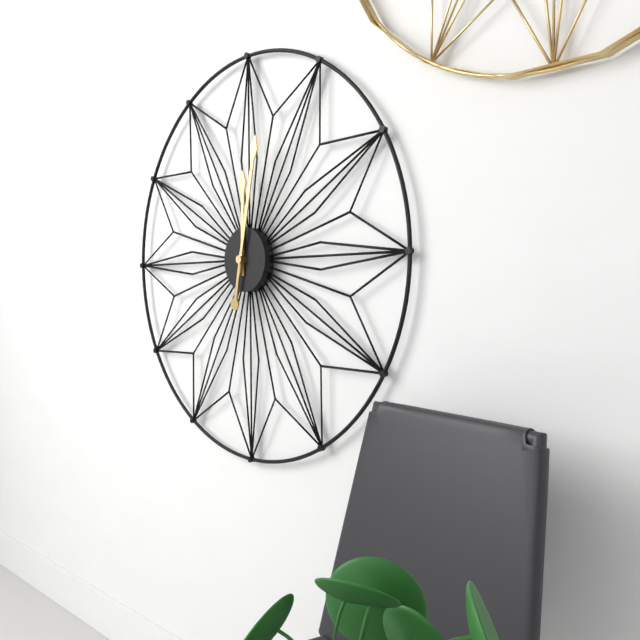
12:02
